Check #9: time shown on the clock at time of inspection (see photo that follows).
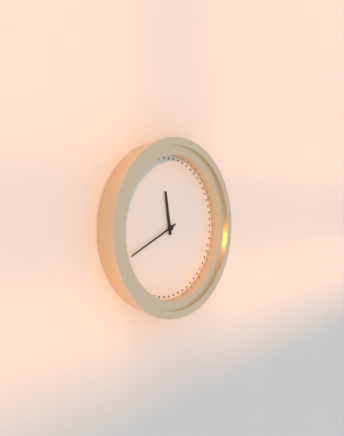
11:41
